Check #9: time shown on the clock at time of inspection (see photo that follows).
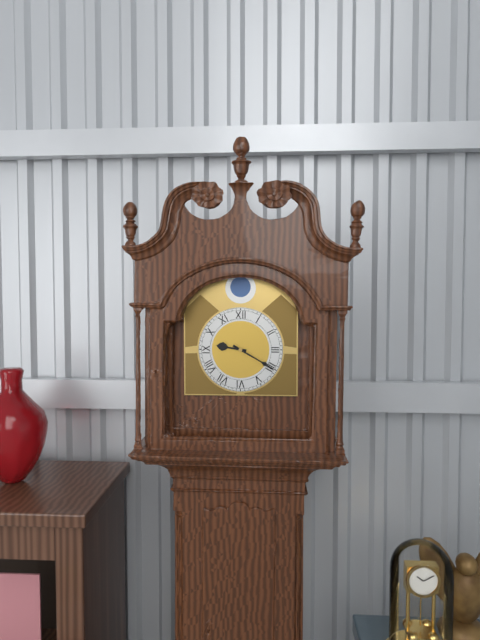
9:20
